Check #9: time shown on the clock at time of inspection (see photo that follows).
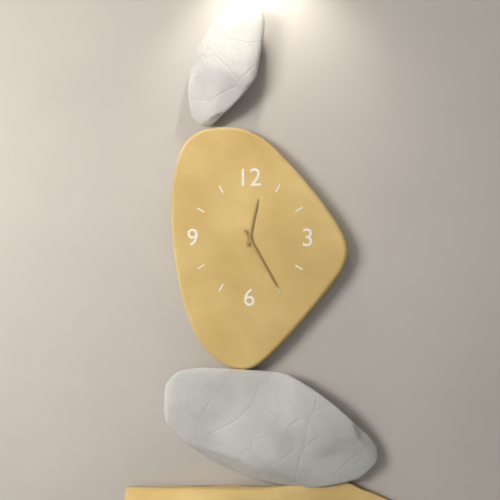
12:25
